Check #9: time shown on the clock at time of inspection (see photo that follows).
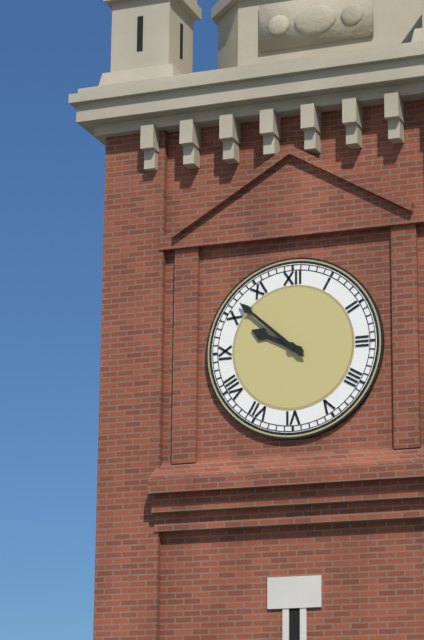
9:52
